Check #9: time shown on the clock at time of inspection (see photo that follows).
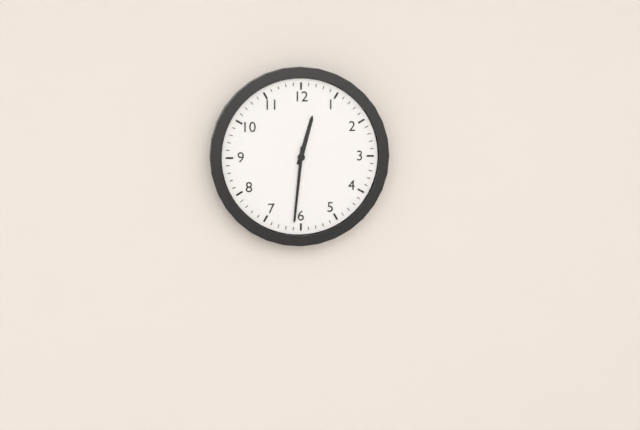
12:31
